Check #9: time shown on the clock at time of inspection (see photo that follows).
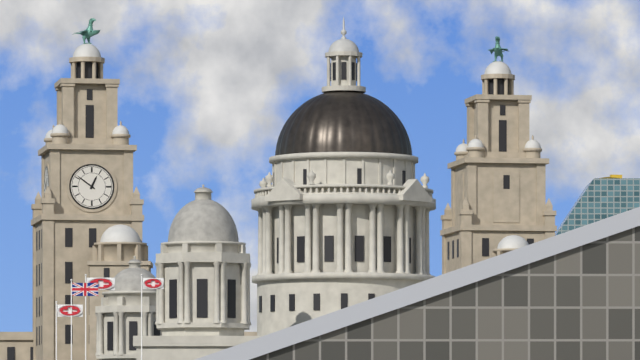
12:51
